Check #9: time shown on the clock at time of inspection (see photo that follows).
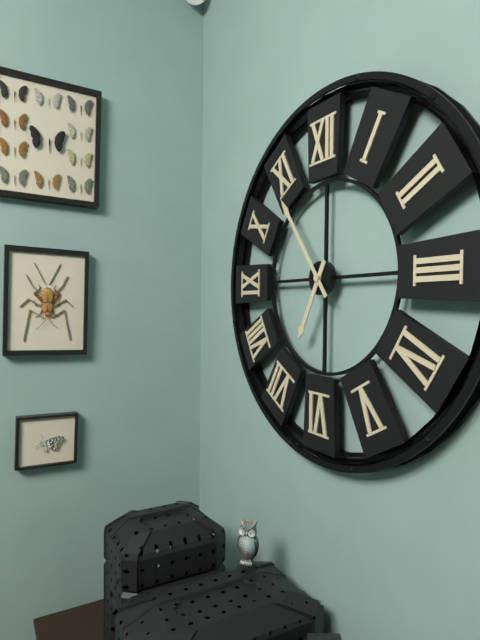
6:54
